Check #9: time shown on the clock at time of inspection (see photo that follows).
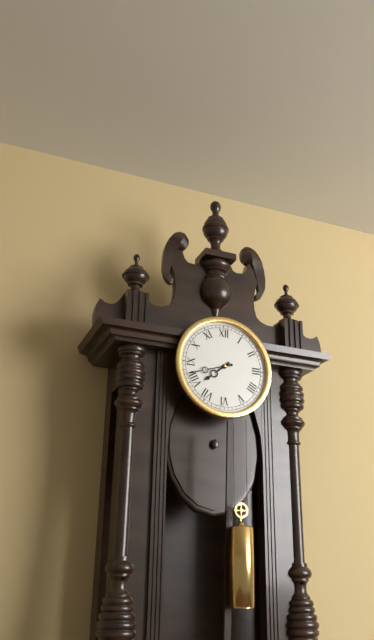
7:42
